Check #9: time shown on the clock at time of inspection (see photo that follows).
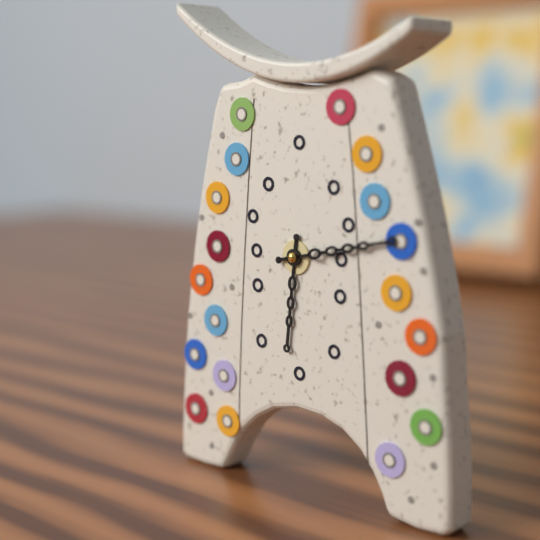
6:13
